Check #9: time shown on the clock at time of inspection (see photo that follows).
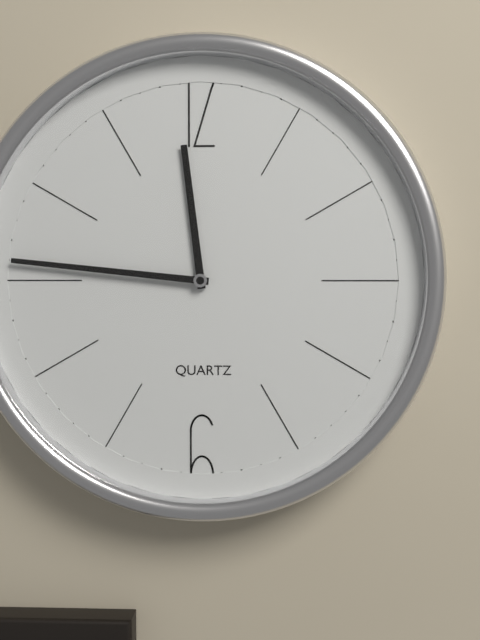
11:46
